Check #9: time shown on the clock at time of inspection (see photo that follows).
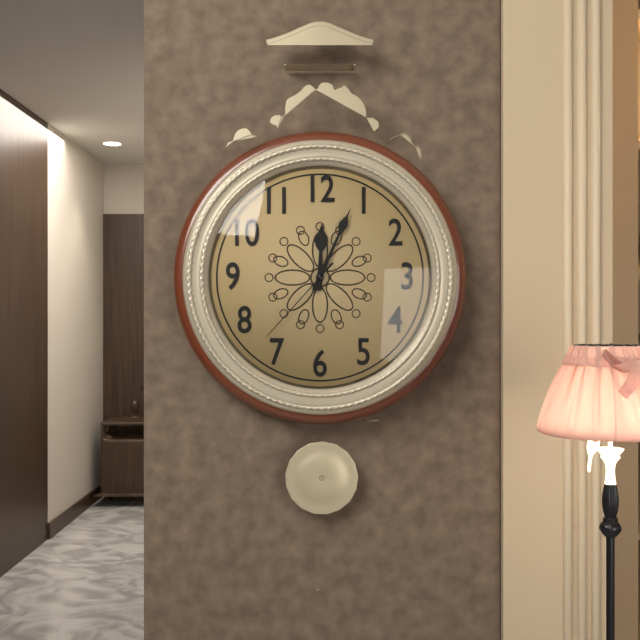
12:04:37
